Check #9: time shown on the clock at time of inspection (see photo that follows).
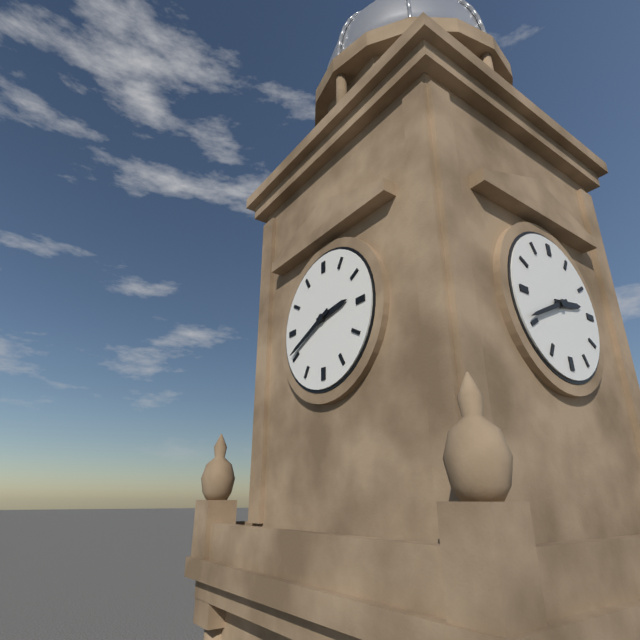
2:41
